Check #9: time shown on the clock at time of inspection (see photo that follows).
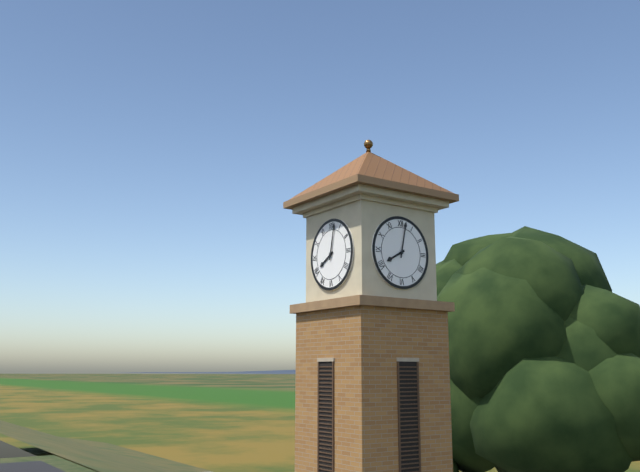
8:02
